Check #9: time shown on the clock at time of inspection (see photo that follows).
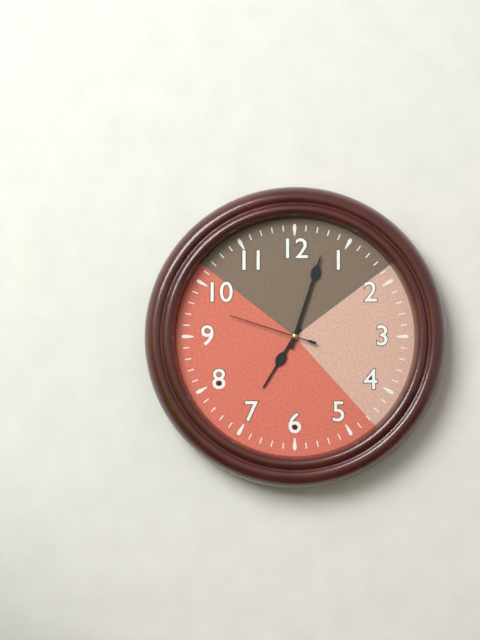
7:03:48
